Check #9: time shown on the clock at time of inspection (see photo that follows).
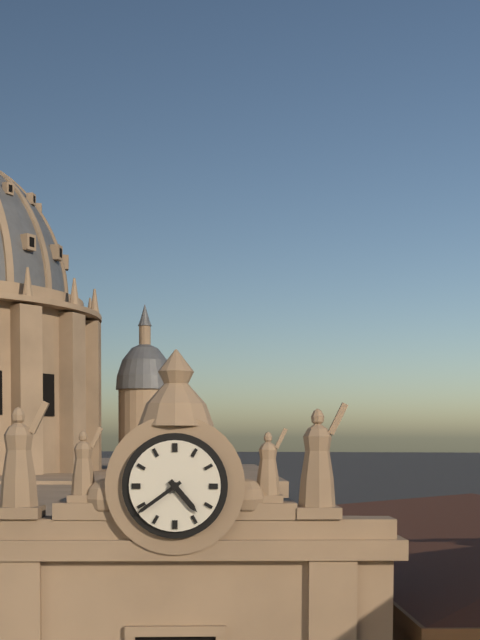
4:39
